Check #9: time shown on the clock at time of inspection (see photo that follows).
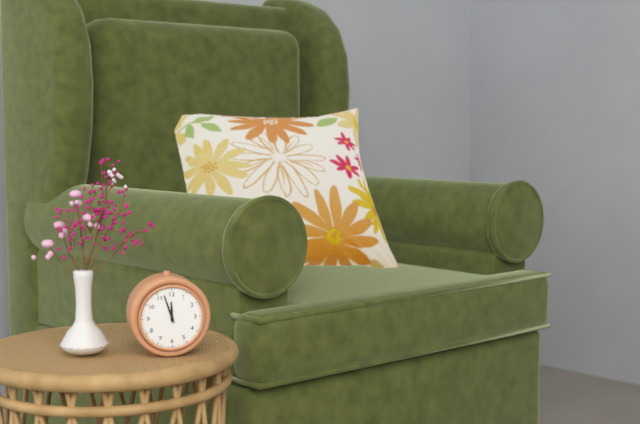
11:57
